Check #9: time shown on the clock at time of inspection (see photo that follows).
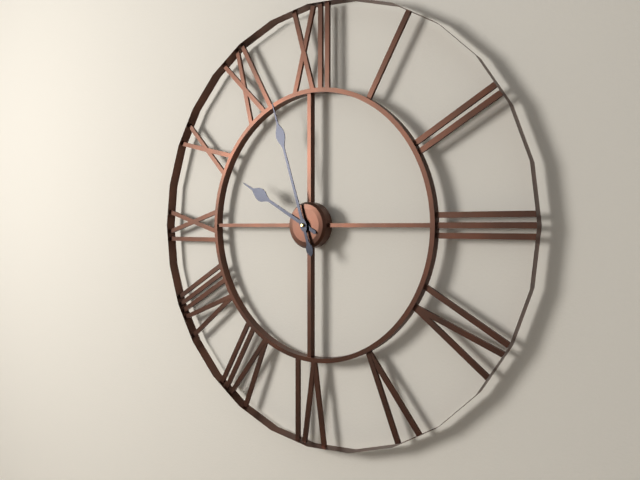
9:57
